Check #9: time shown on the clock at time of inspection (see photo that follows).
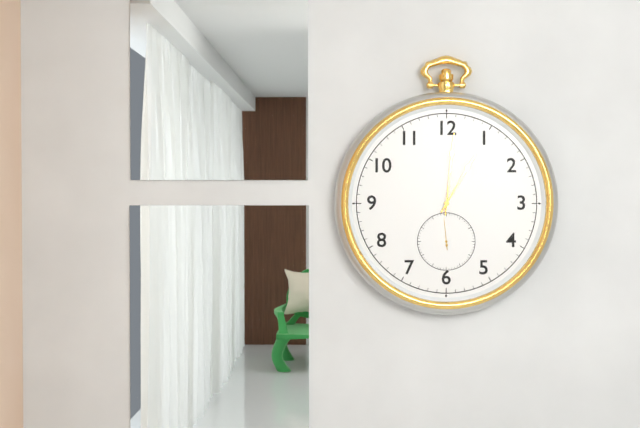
1:01
